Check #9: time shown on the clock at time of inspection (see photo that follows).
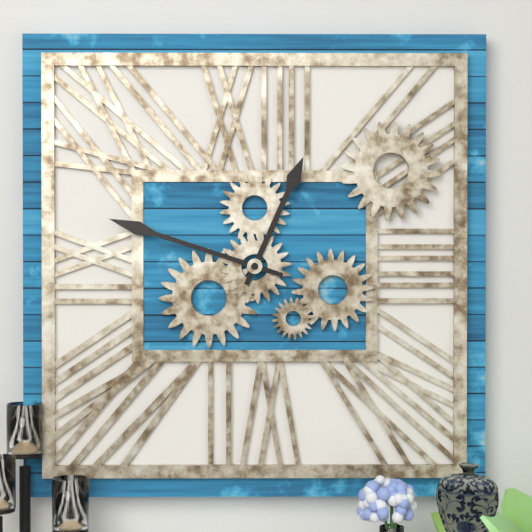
12:48
